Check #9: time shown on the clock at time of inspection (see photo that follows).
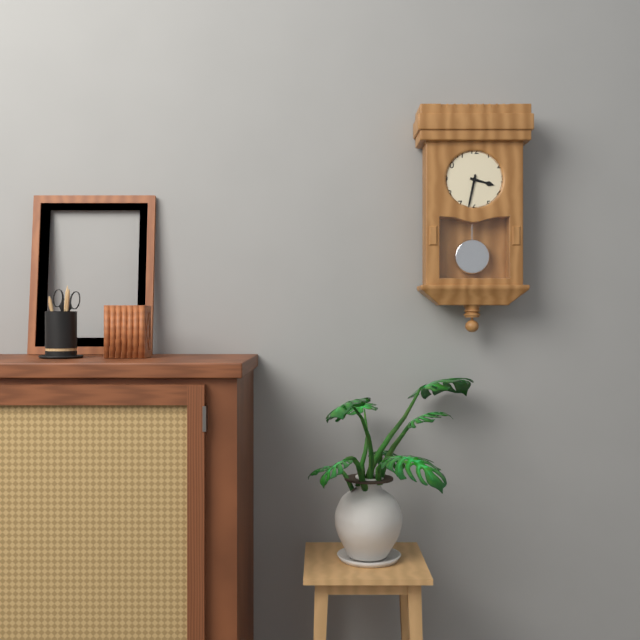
3:32
